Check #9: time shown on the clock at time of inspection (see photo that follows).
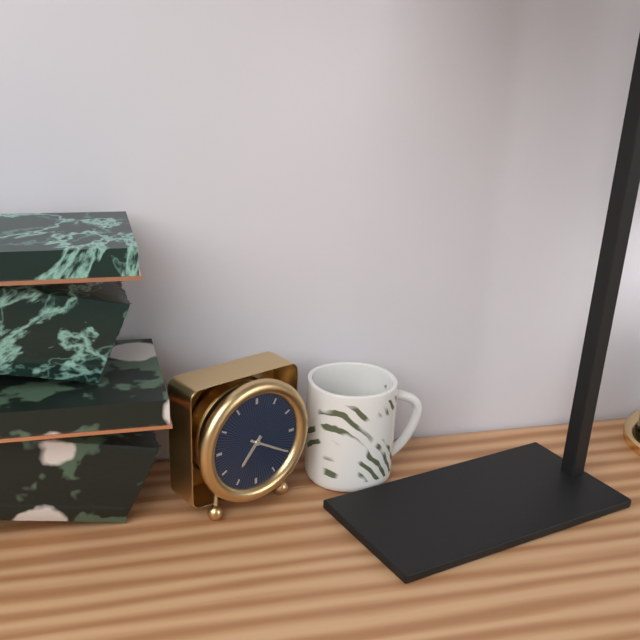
7:20
